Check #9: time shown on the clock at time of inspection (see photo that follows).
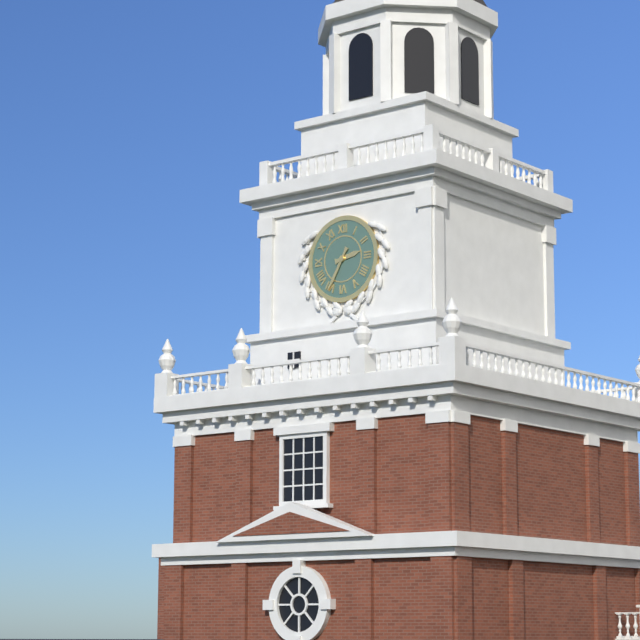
2:35
